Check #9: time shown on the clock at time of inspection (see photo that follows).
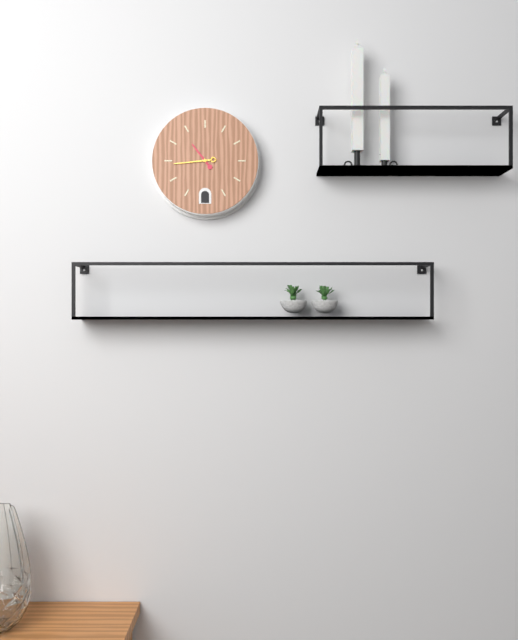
10:44
